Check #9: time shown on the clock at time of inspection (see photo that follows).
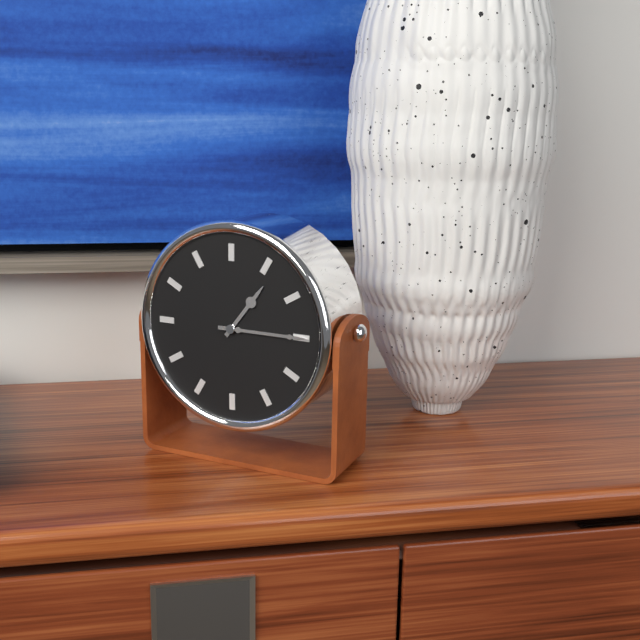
1:15
